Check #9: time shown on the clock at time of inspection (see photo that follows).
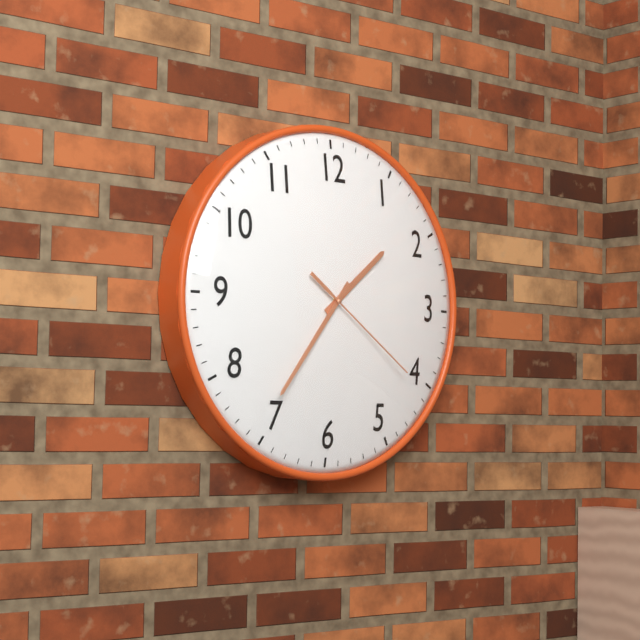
1:36:21
